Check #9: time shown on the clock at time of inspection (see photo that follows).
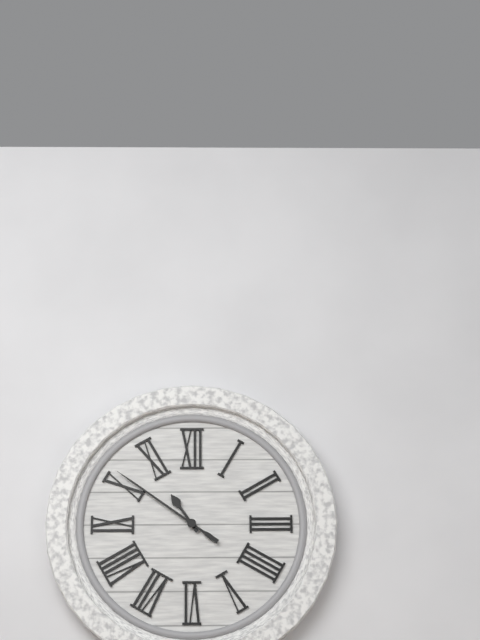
10:51
